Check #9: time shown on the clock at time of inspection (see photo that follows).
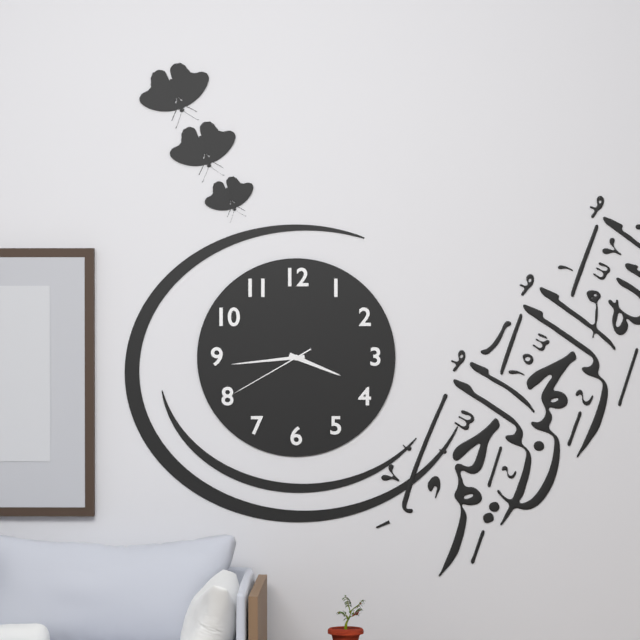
3:44:40
